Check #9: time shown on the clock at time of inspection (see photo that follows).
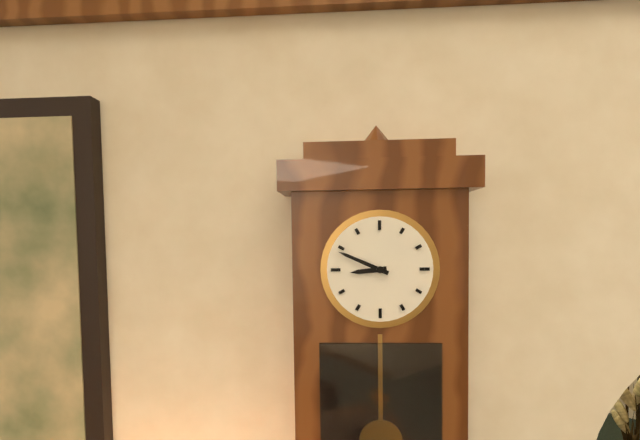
8:49
